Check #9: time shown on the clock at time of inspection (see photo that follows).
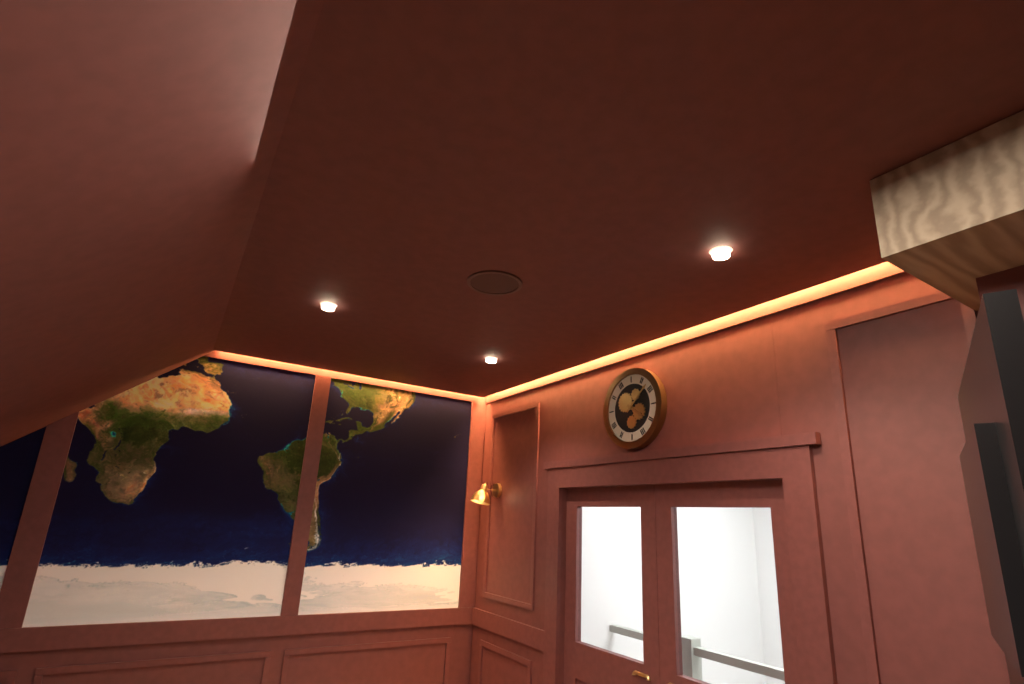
4:08
